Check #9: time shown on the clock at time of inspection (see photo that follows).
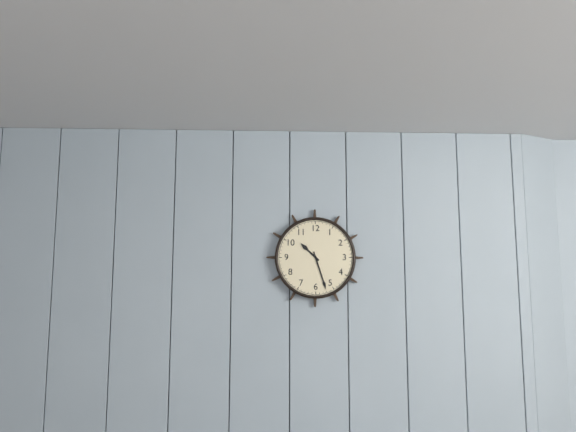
10:27
